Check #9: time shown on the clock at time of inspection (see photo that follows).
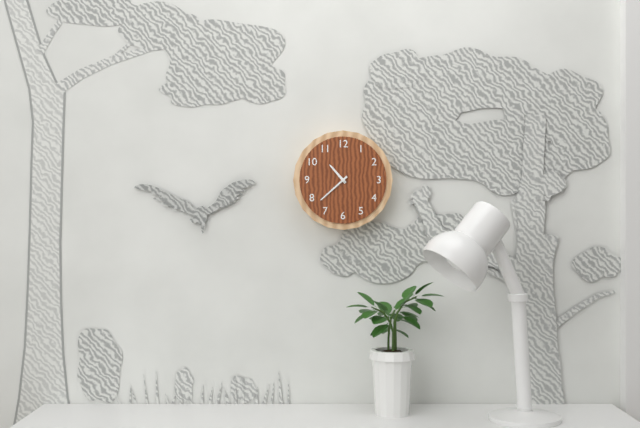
10:38
